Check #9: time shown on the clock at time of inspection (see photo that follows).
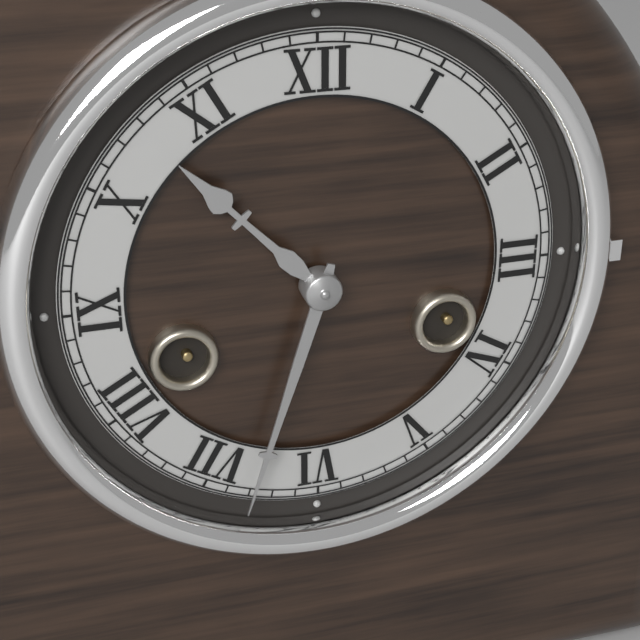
10:33
